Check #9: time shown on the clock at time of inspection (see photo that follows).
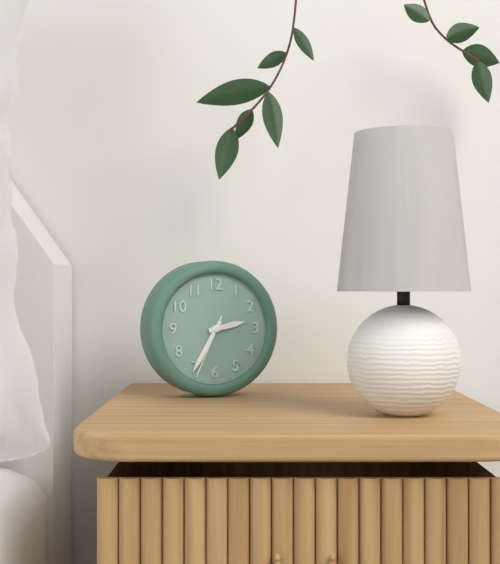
2:35:34
